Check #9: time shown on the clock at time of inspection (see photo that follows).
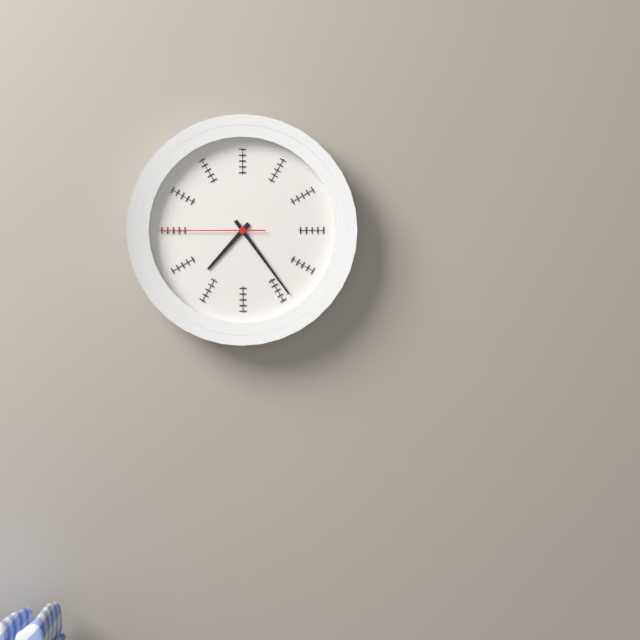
7:24:45
